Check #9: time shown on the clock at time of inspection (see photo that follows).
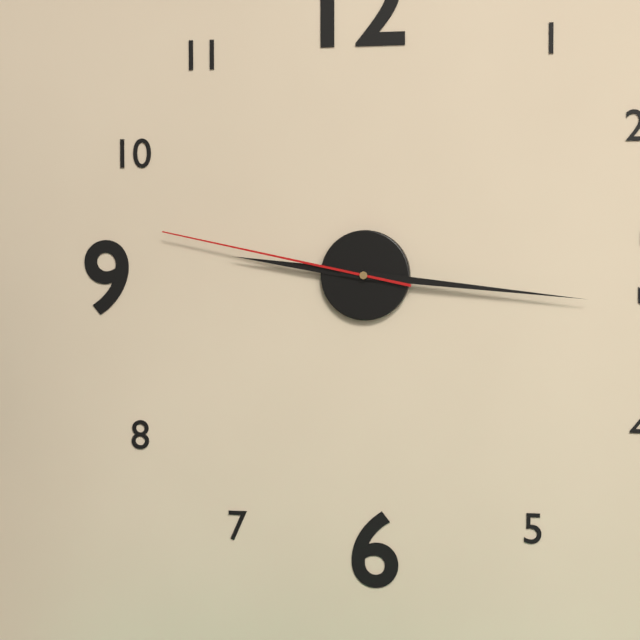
9:16:47
